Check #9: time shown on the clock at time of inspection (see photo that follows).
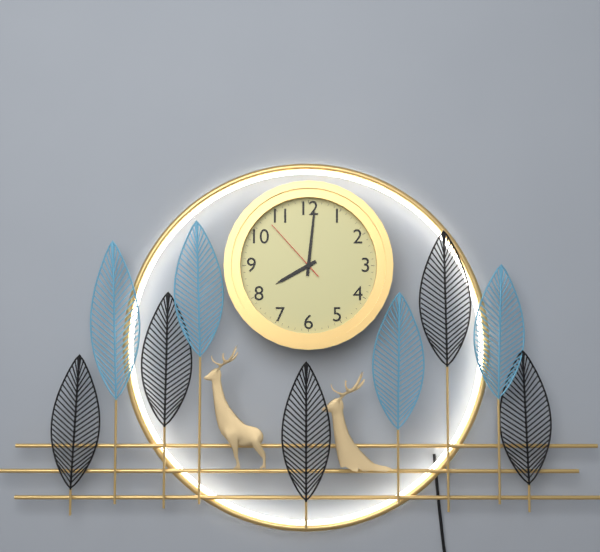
8:01:53
